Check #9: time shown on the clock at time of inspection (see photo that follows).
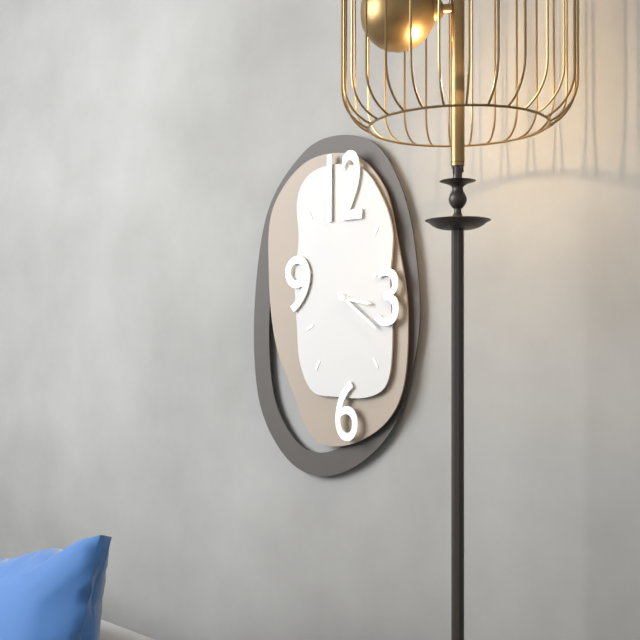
3:21
